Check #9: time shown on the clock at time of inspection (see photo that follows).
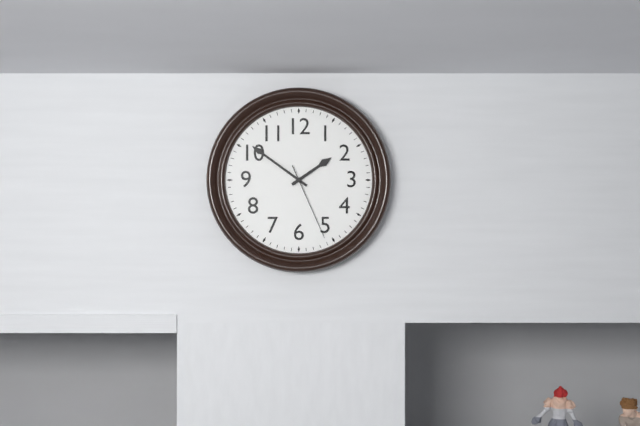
1:51:26
